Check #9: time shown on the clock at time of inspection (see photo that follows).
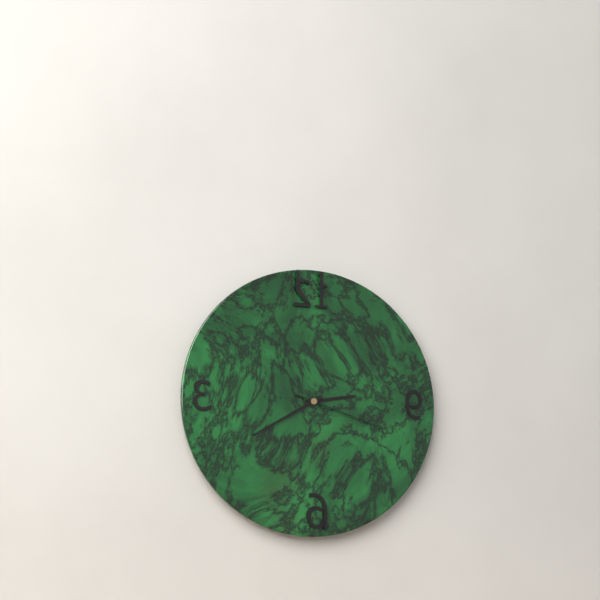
2:40:18
